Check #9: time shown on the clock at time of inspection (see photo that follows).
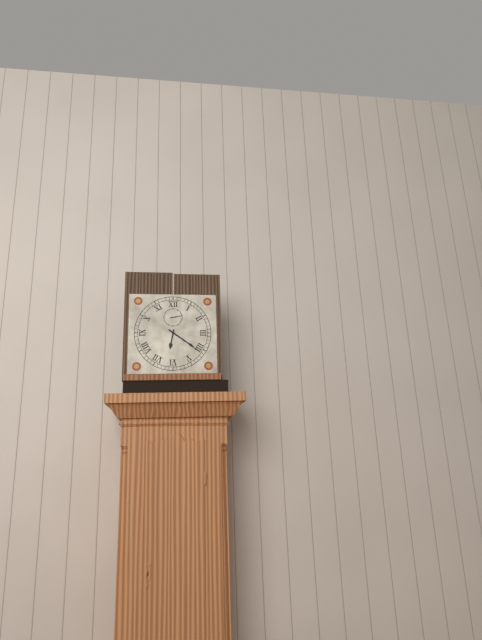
6:21
